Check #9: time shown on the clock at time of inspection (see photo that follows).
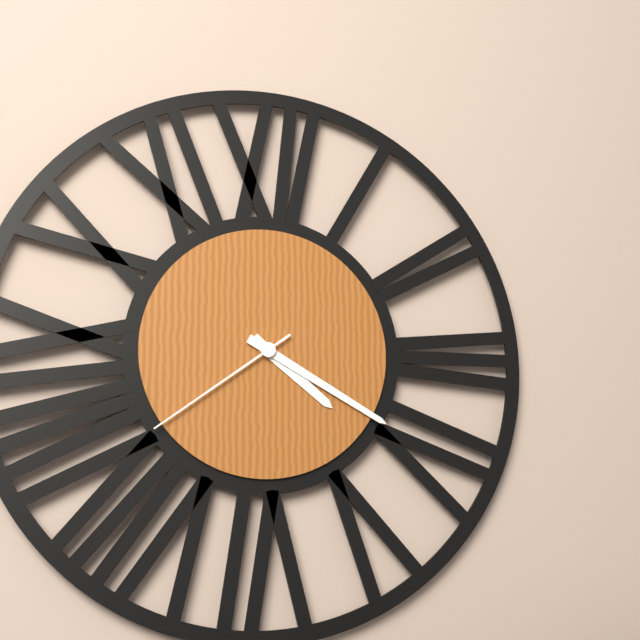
4:20:39
